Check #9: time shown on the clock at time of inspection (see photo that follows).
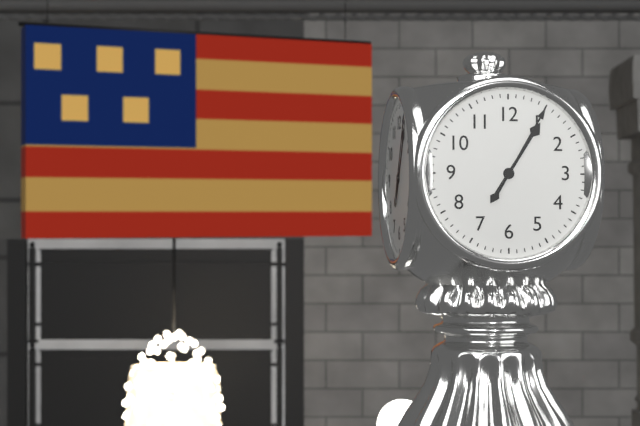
1:05
